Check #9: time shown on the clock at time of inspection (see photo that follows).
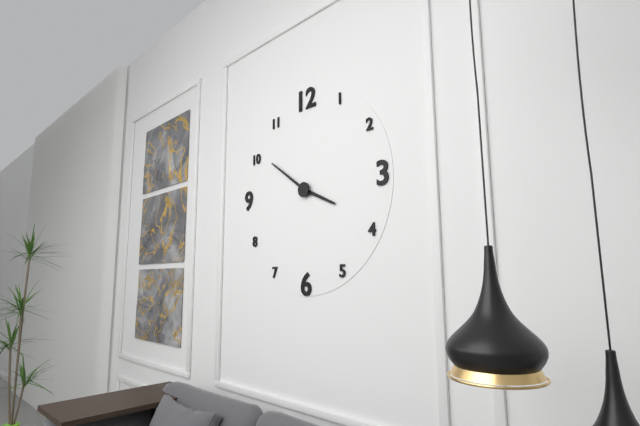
3:51
